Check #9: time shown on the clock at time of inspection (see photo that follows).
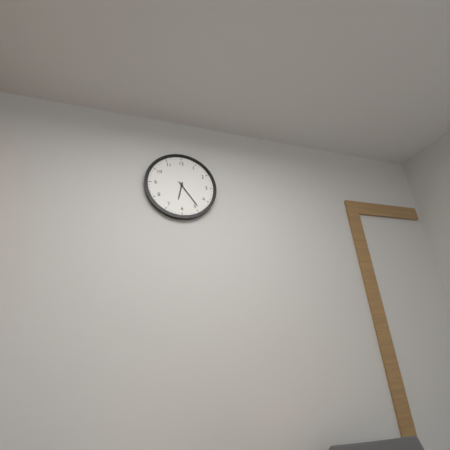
6:24
